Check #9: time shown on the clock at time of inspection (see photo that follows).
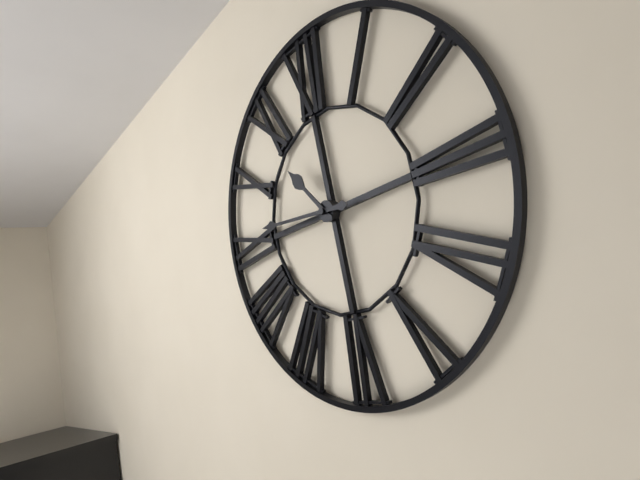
10:46
